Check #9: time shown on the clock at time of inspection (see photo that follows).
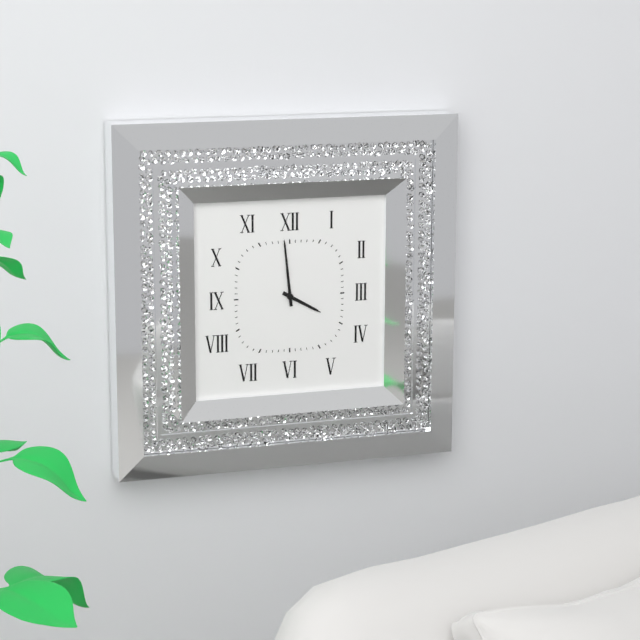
3:59
